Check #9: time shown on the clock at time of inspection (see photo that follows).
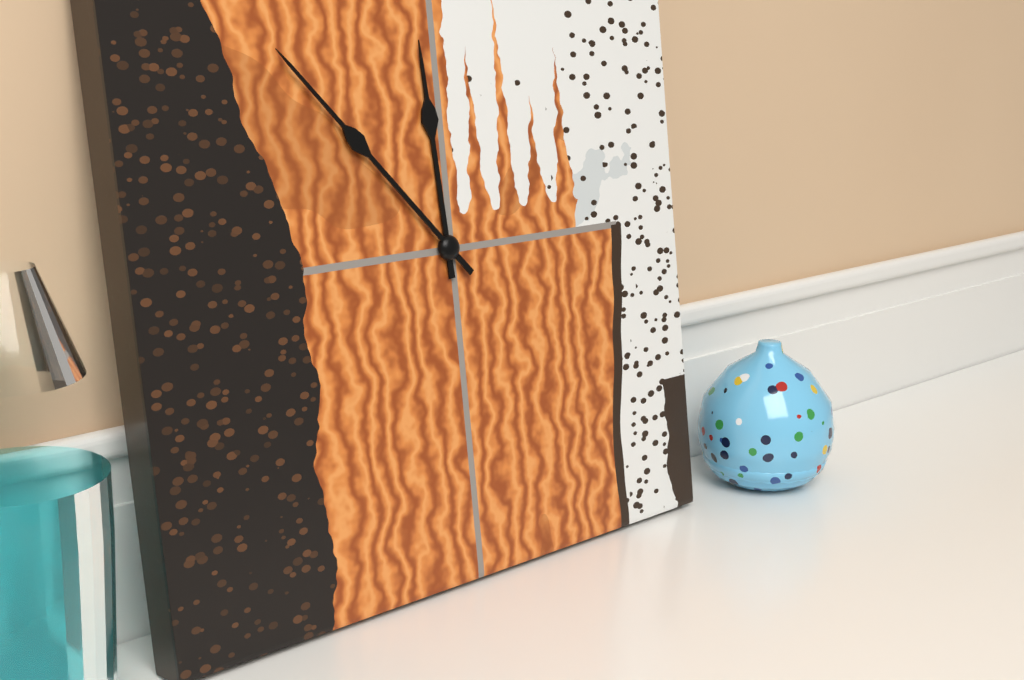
11:53
